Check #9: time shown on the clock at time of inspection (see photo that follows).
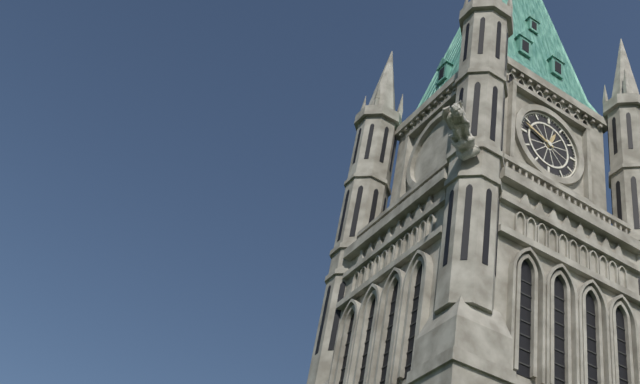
12:48
